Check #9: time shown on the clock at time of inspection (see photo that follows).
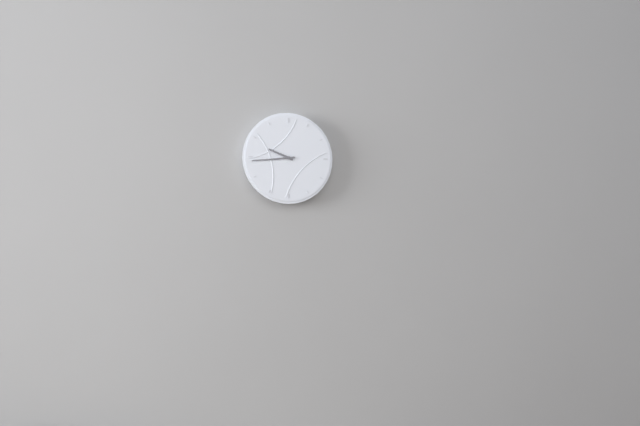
9:44
